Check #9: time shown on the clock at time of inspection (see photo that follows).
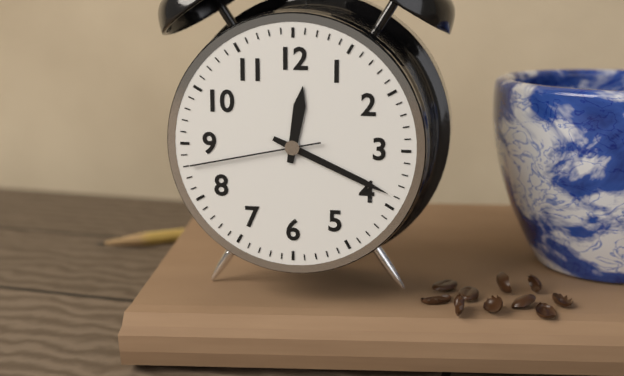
12:19:43
